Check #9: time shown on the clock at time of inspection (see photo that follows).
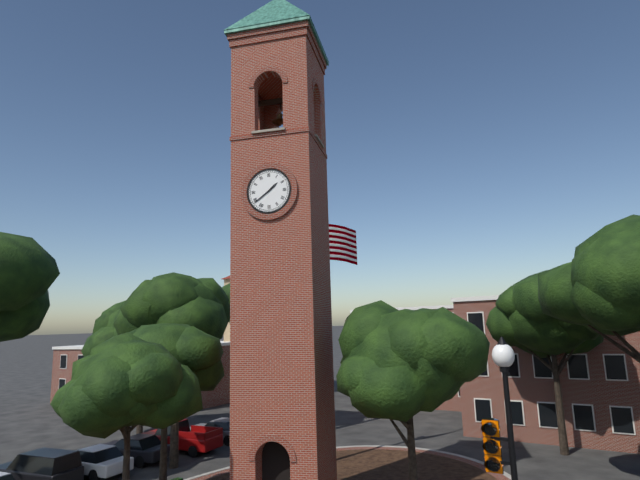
1:39
